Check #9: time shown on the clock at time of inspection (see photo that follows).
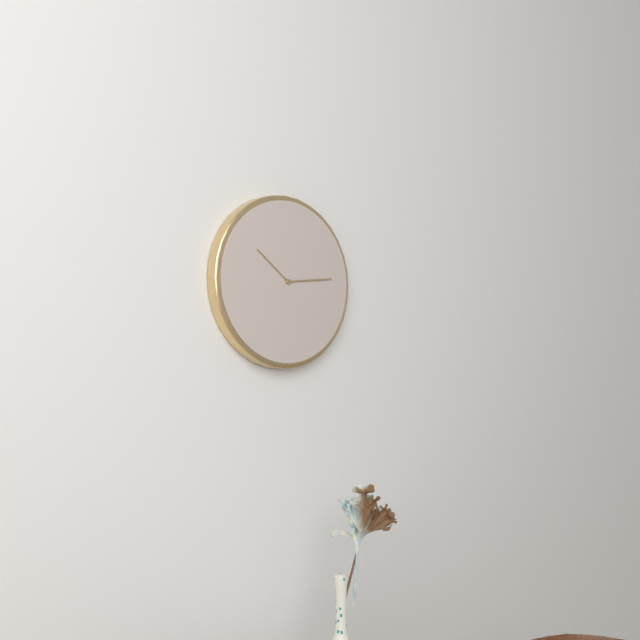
10:14
